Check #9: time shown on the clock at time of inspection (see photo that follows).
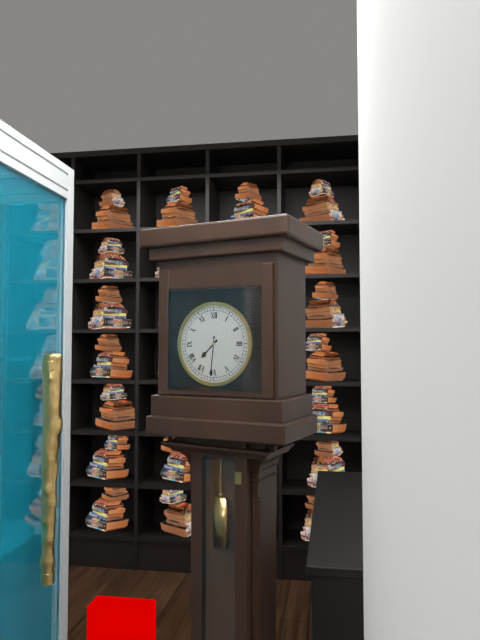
7:31
